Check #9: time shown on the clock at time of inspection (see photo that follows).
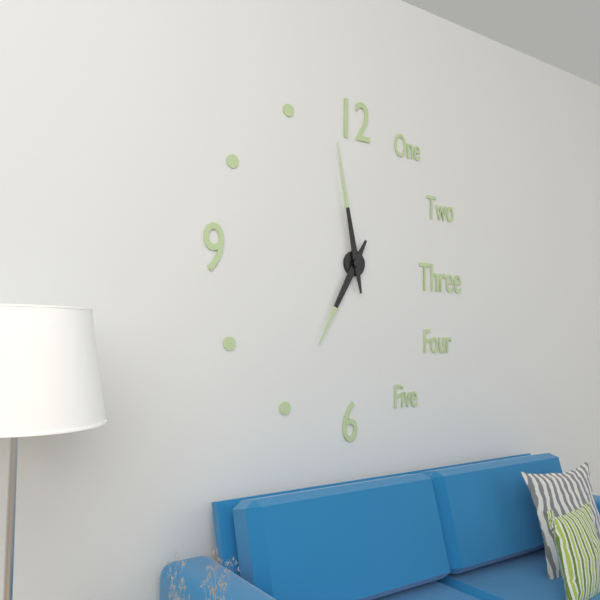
6:58
